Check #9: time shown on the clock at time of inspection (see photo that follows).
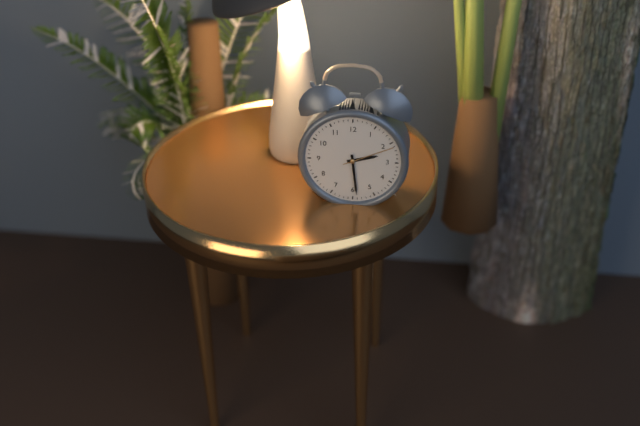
2:29:11
